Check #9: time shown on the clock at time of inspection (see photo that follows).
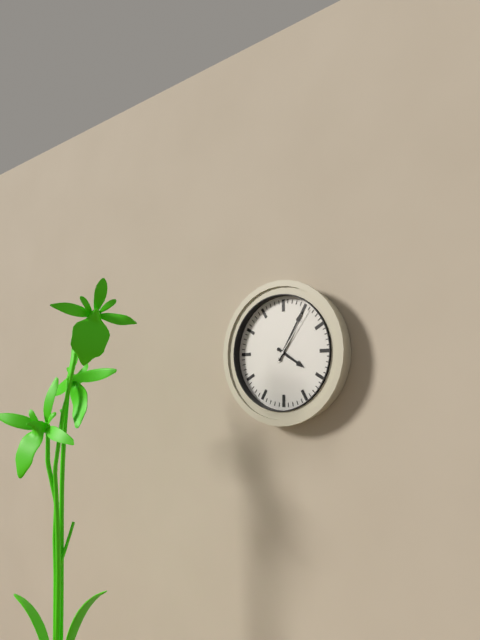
4:05:06
